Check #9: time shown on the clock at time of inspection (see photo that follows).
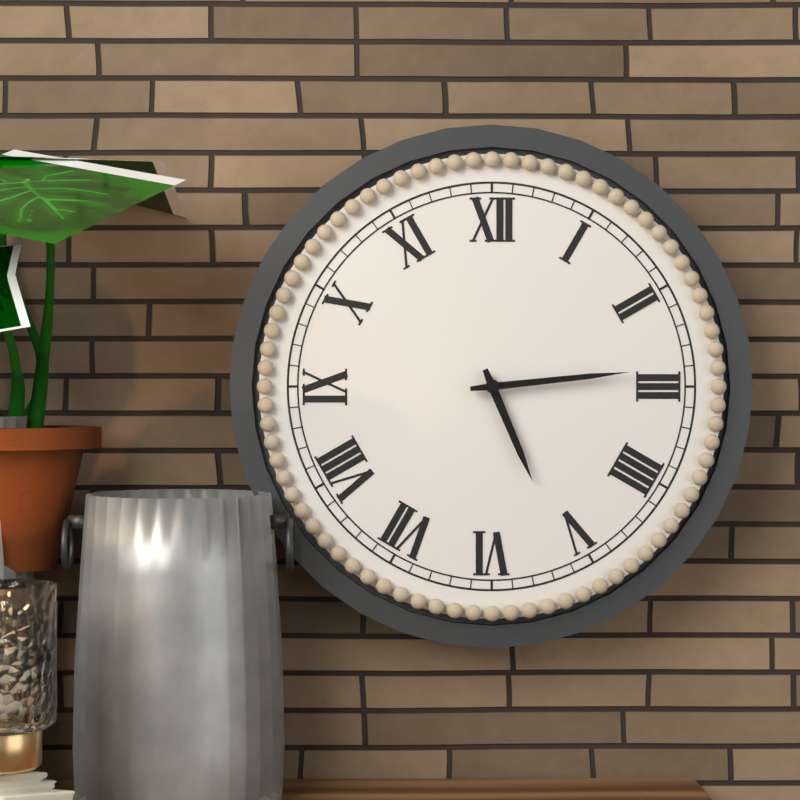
5:14
